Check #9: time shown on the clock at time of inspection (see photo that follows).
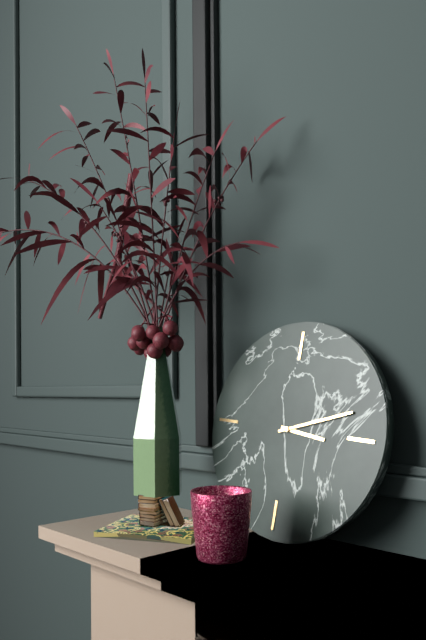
3:12
